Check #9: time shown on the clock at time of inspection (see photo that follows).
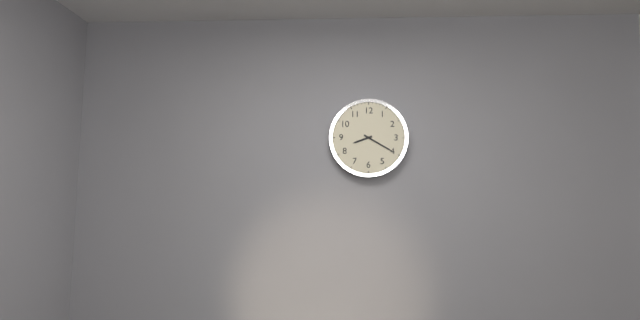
8:20
